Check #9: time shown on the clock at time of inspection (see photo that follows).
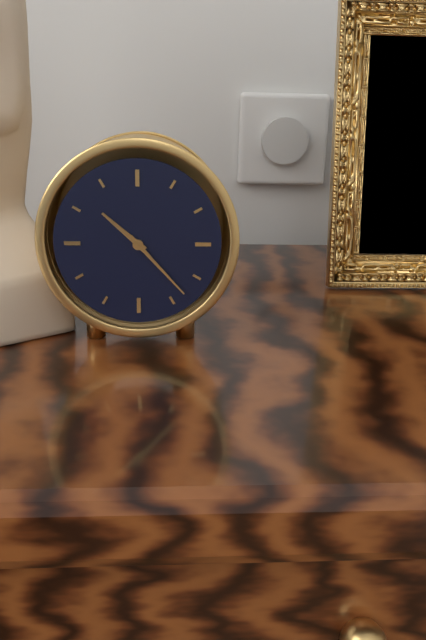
10:23
